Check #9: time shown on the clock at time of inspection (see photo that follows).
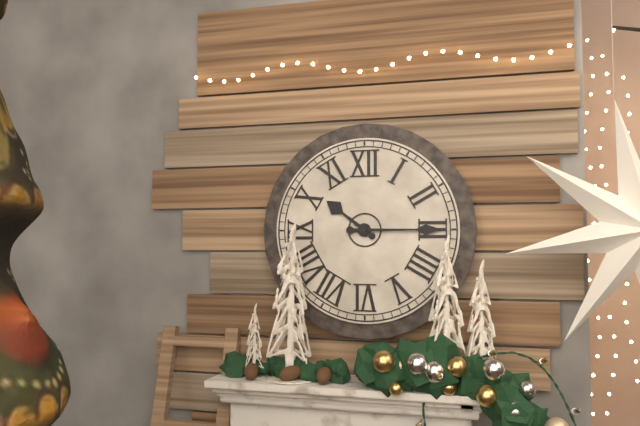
10:15
